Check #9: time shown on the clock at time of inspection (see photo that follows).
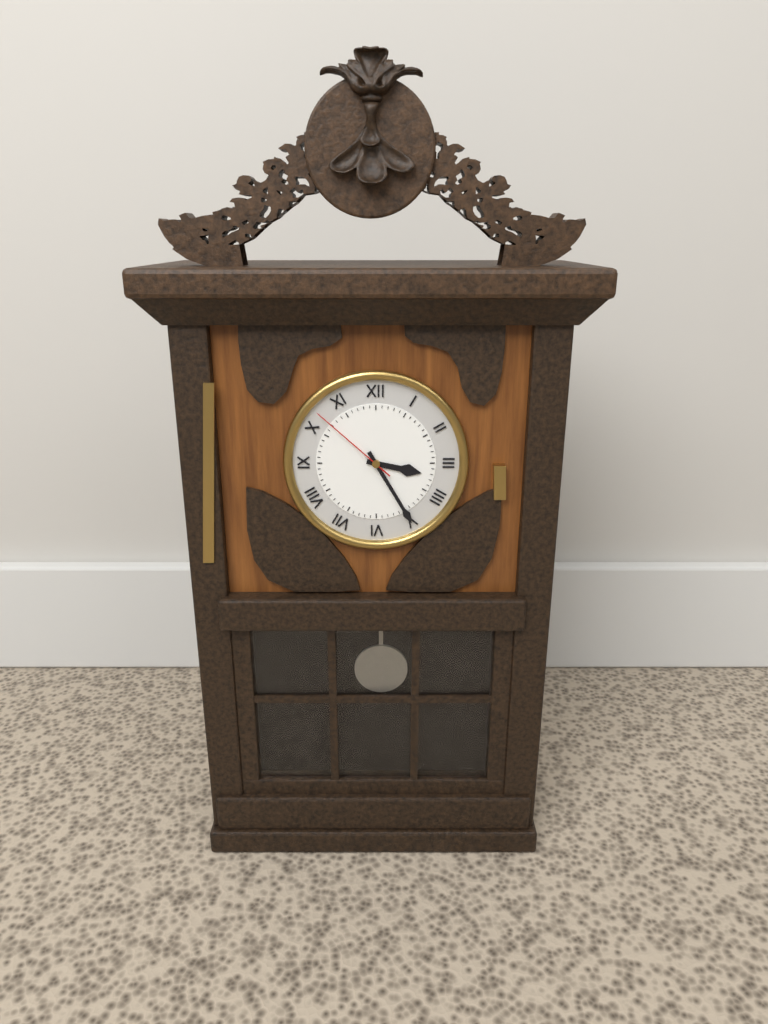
3:25:52
